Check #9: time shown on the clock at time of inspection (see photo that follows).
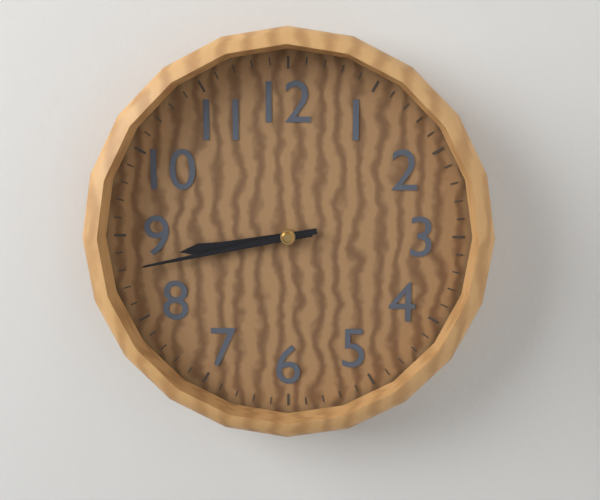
8:43
